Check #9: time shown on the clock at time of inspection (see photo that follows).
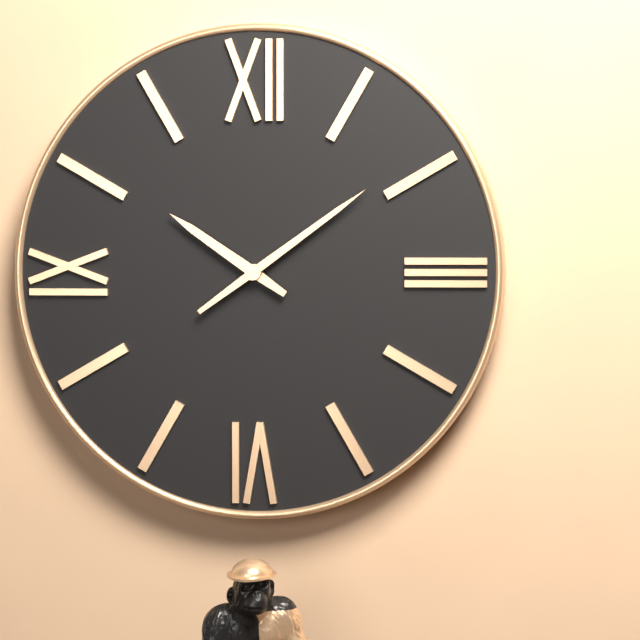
10:09
